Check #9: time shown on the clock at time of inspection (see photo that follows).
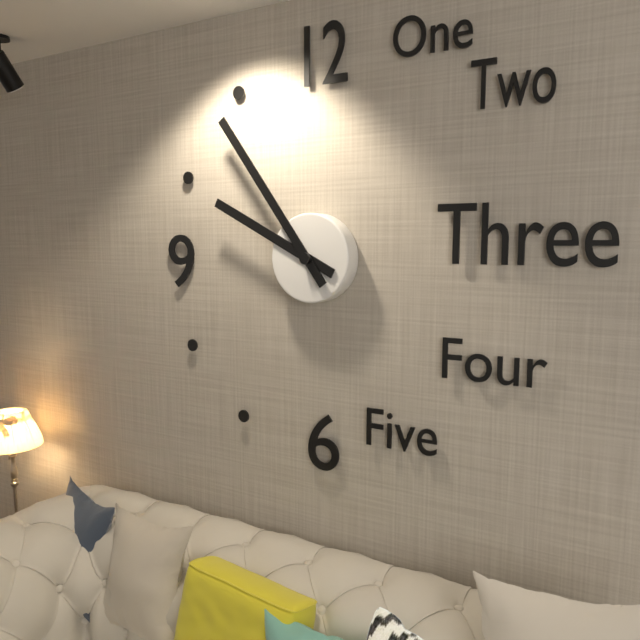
9:54
